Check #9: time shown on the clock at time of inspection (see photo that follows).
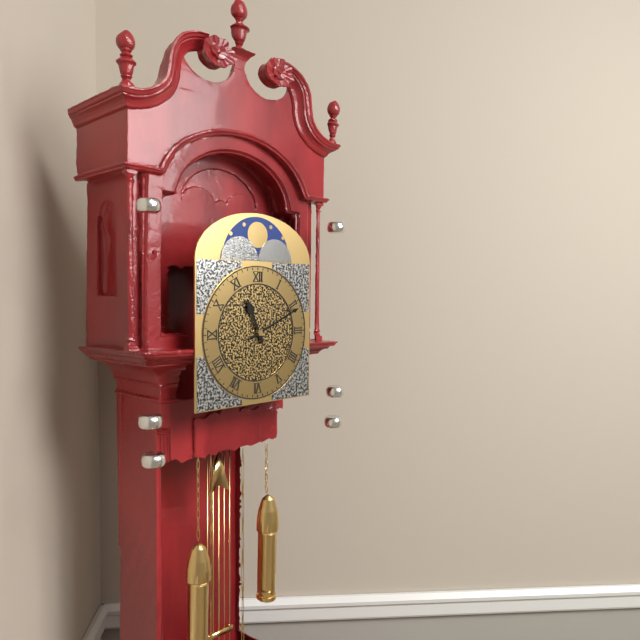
11:11
